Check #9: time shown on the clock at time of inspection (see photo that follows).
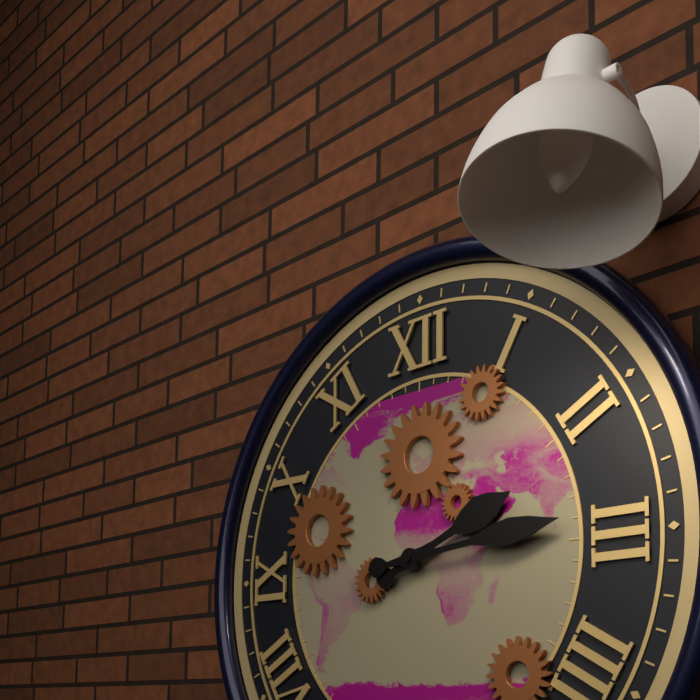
2:14
